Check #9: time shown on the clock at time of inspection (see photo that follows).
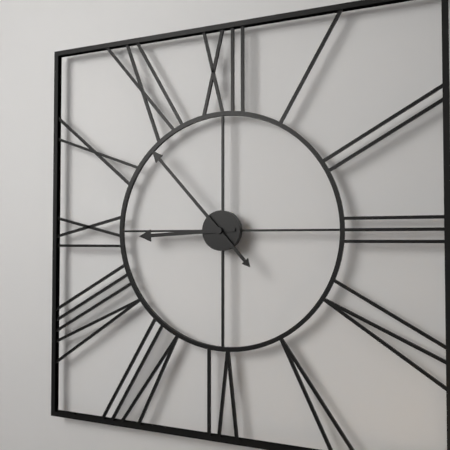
8:53
